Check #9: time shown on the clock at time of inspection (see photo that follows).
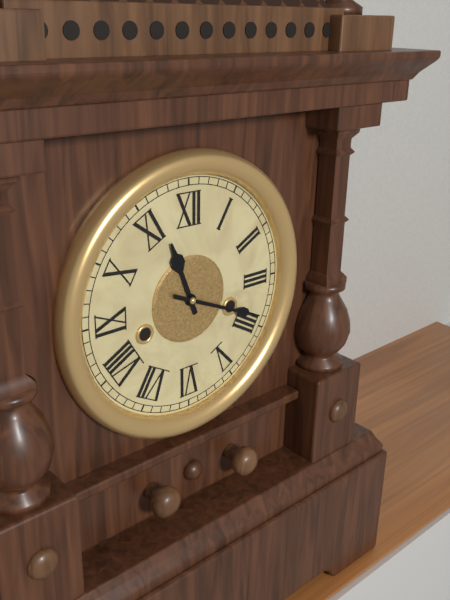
11:19
